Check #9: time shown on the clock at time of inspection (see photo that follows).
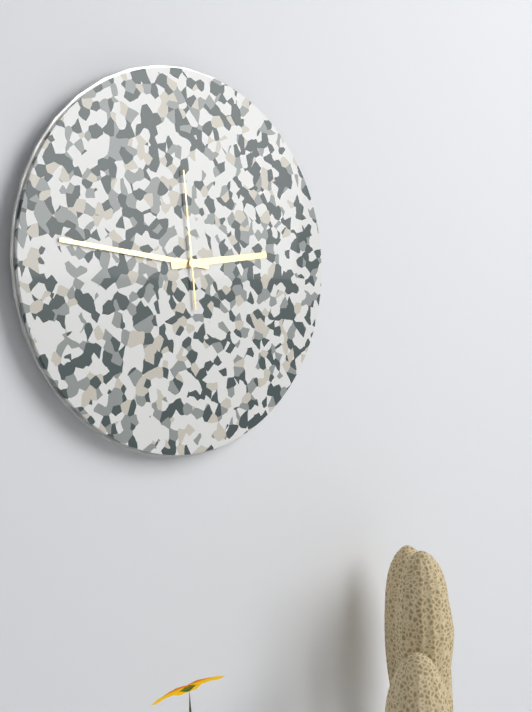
2:46:59
